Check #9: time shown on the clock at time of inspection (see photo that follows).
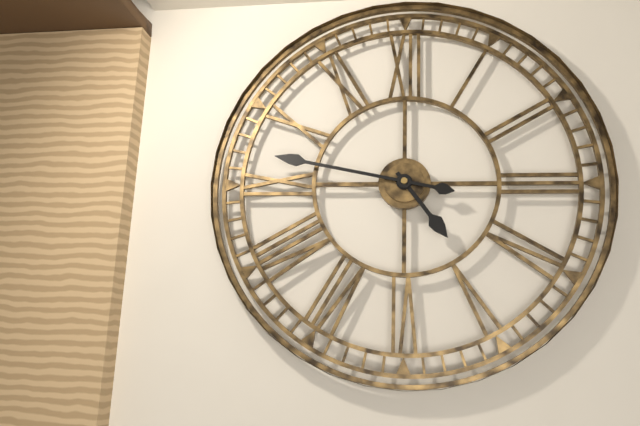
4:47
